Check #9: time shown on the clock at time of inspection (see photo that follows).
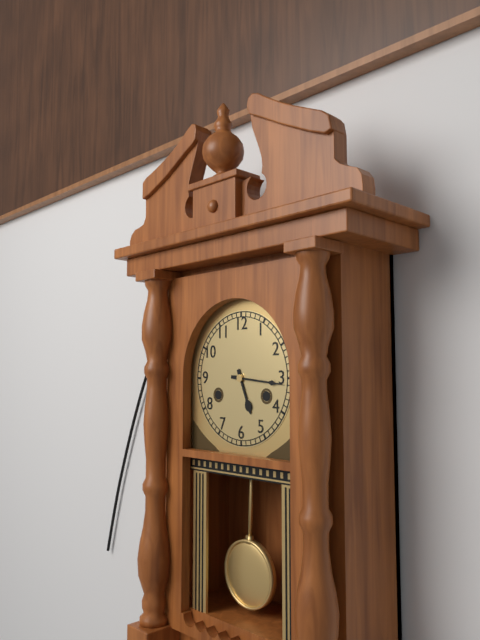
5:16
